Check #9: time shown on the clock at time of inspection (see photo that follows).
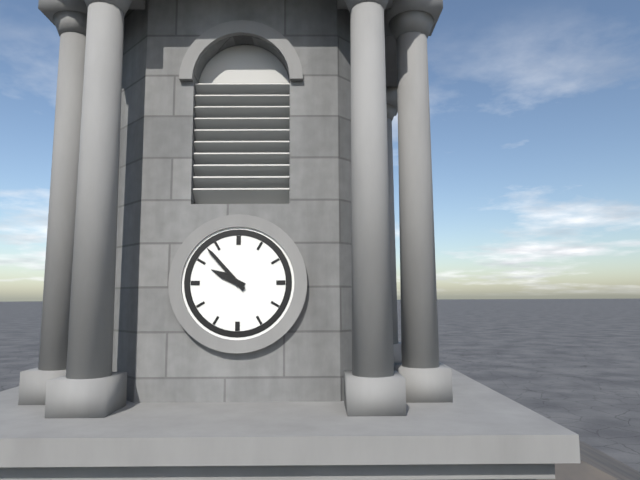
9:53
